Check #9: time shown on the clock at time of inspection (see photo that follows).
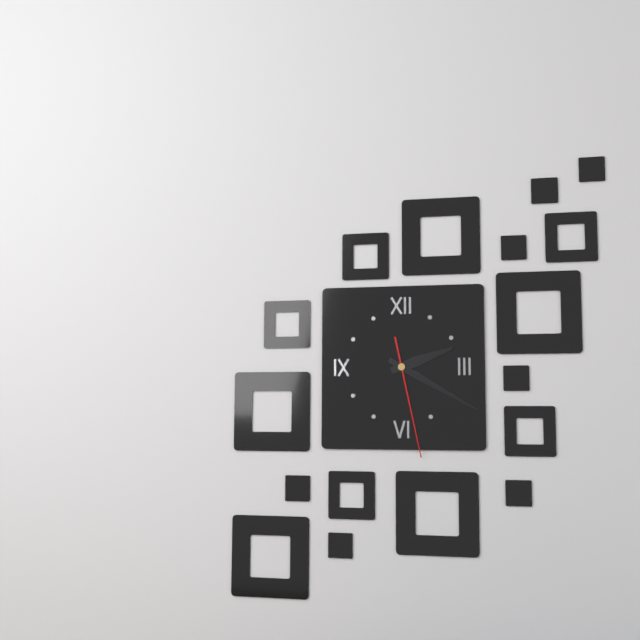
2:20:28
